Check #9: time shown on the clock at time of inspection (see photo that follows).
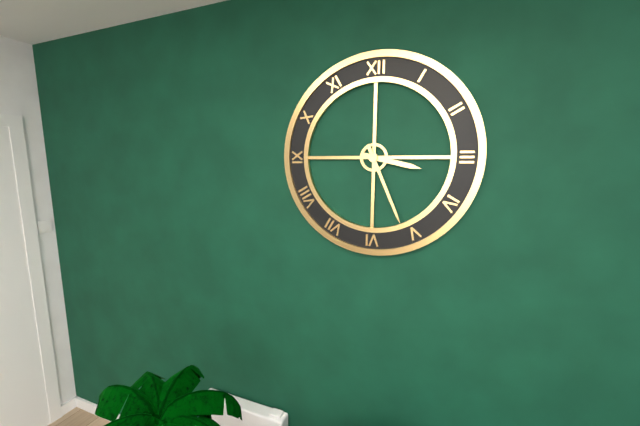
3:26
